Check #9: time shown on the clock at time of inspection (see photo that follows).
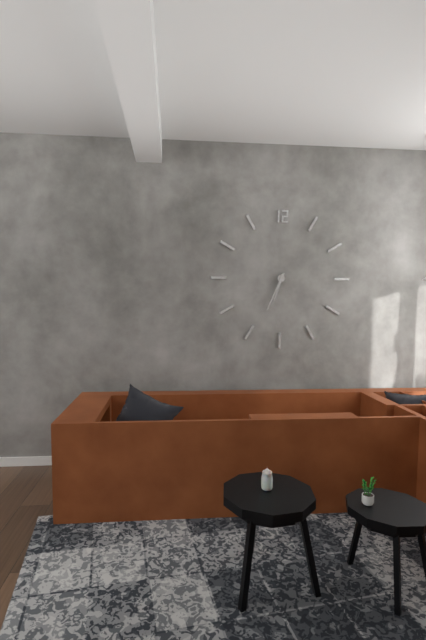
6:34
